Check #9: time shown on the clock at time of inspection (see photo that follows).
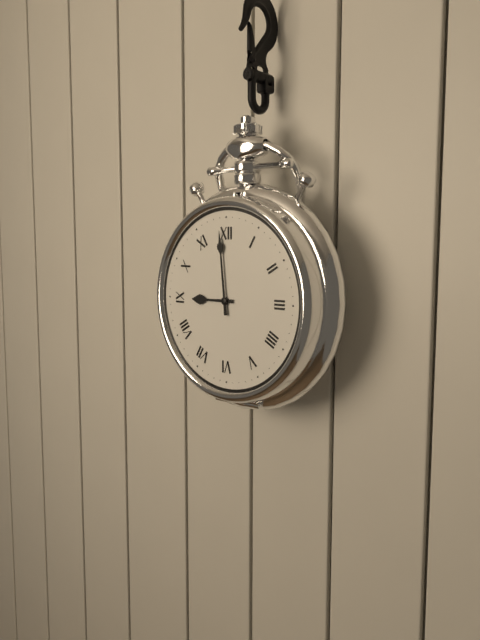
8:59
